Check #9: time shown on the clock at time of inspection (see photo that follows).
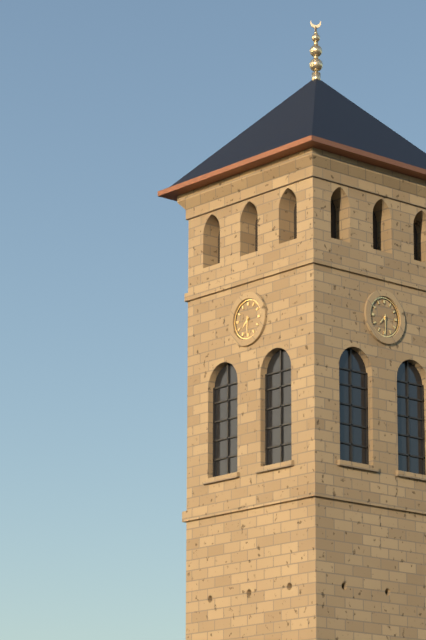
7:30
